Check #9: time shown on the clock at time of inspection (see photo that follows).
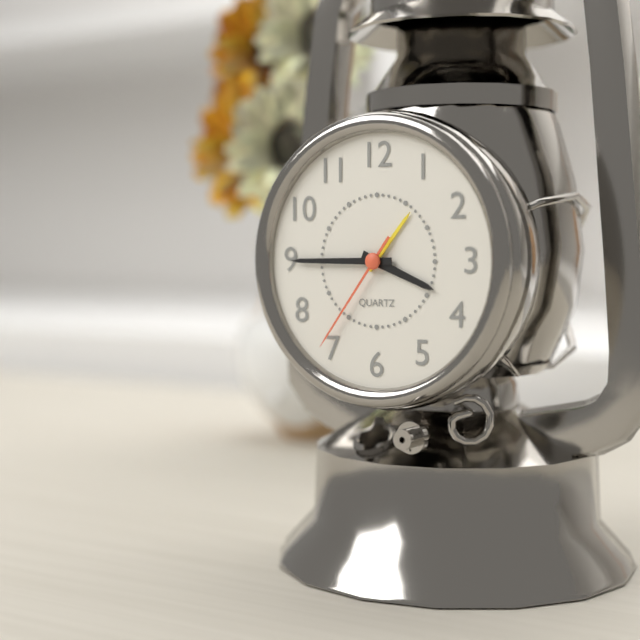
3:45:36
